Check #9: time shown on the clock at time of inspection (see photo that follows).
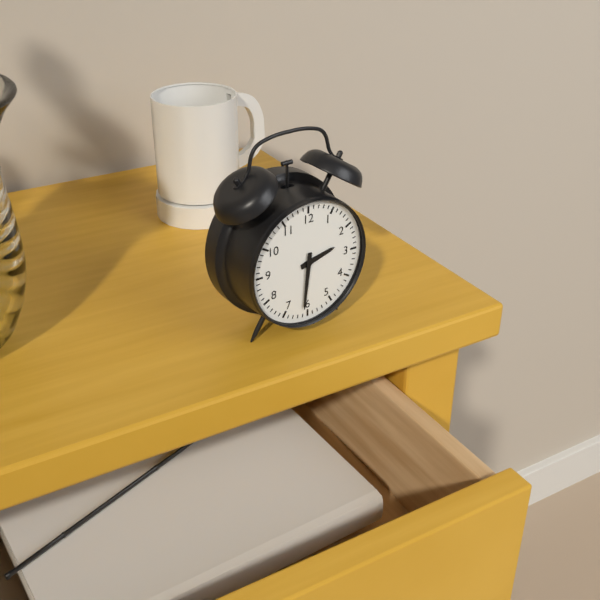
2:31
